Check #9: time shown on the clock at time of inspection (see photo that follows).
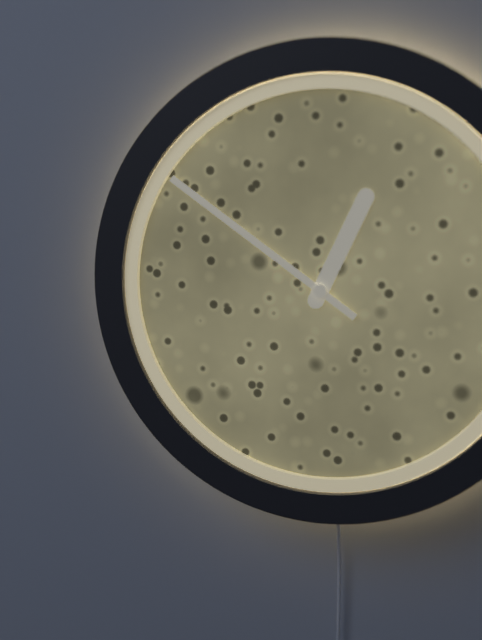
12:51
